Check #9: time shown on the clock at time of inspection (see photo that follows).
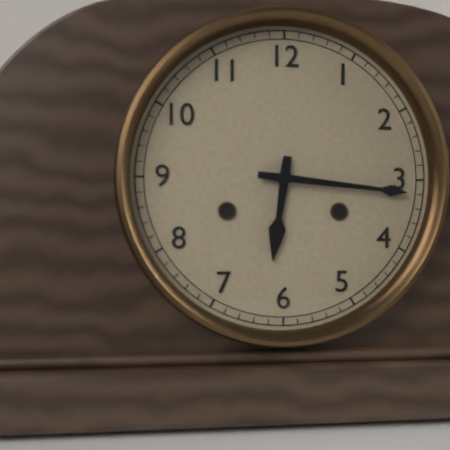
6:16
